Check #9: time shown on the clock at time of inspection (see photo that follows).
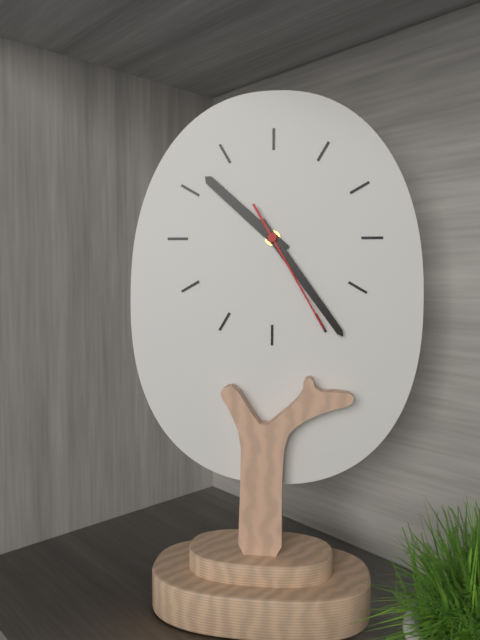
10:24:25
